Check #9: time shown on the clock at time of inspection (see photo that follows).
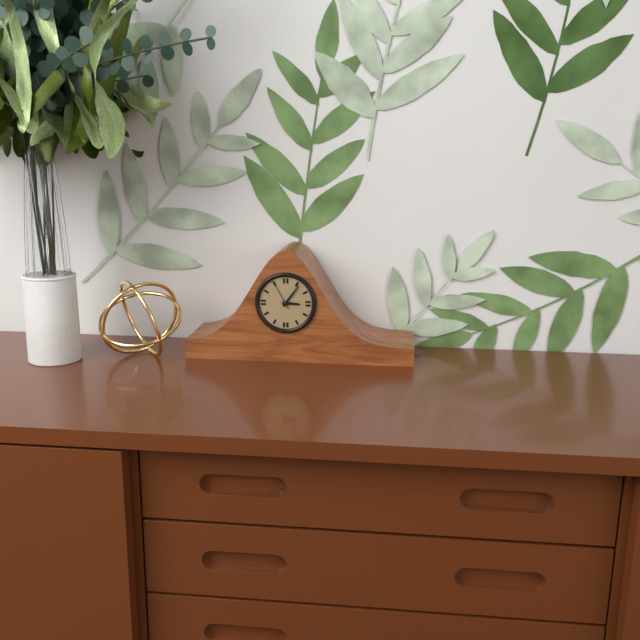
3:06
